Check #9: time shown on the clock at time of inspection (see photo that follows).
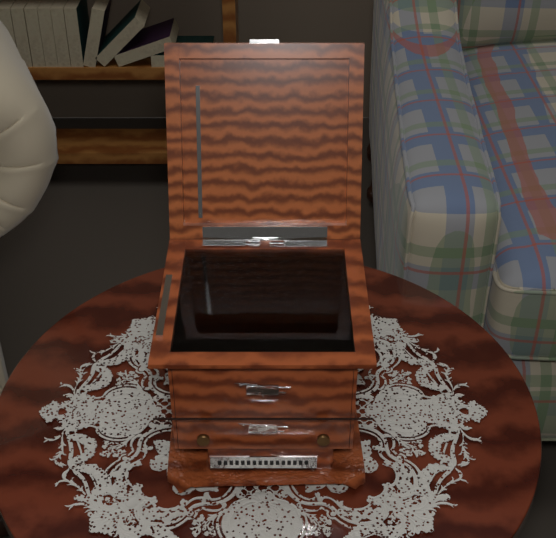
2:40
